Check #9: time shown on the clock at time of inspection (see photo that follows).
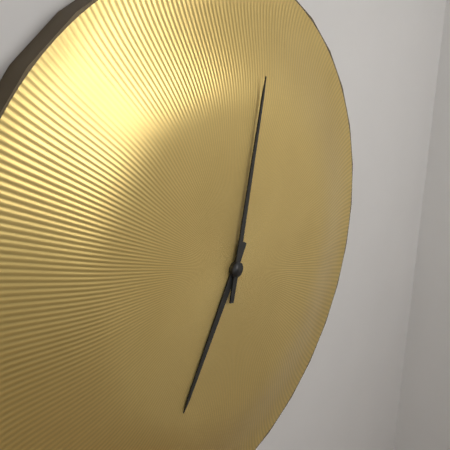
7:02
